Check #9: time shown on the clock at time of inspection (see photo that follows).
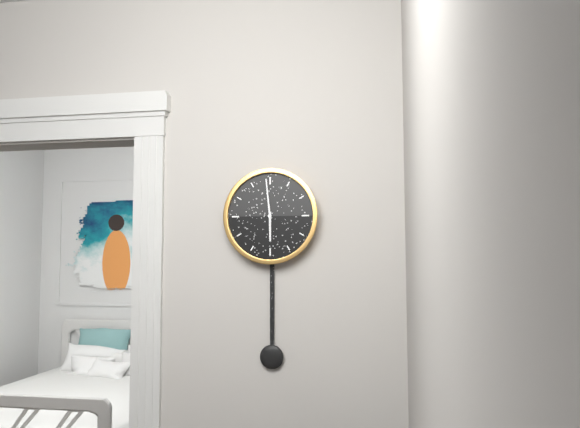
5:59
